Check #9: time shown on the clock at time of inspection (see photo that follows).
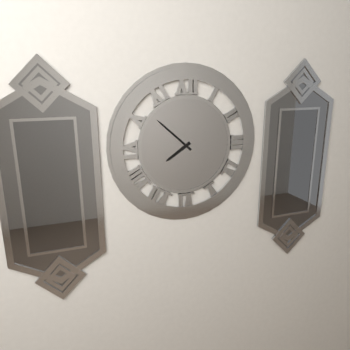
7:52
